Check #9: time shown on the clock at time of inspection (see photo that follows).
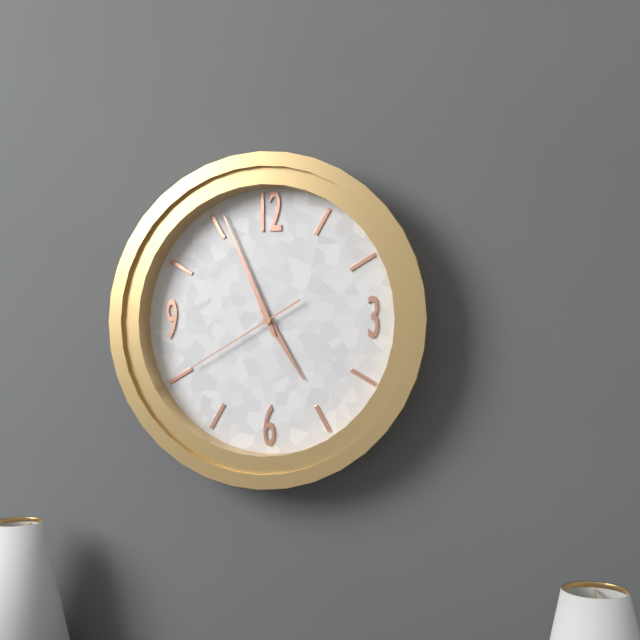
4:56:40
